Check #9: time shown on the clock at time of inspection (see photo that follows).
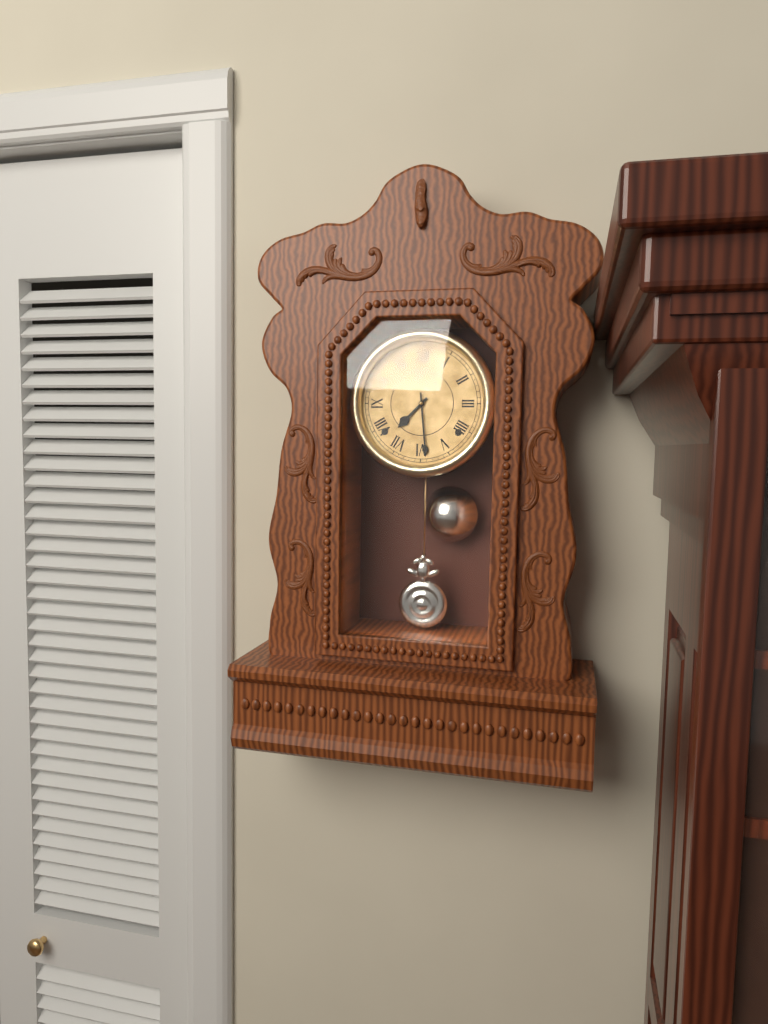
7:29
